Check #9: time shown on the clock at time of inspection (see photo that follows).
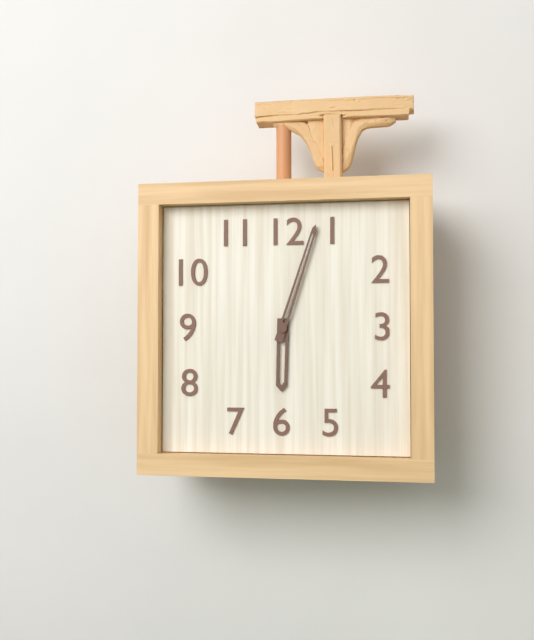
6:03
